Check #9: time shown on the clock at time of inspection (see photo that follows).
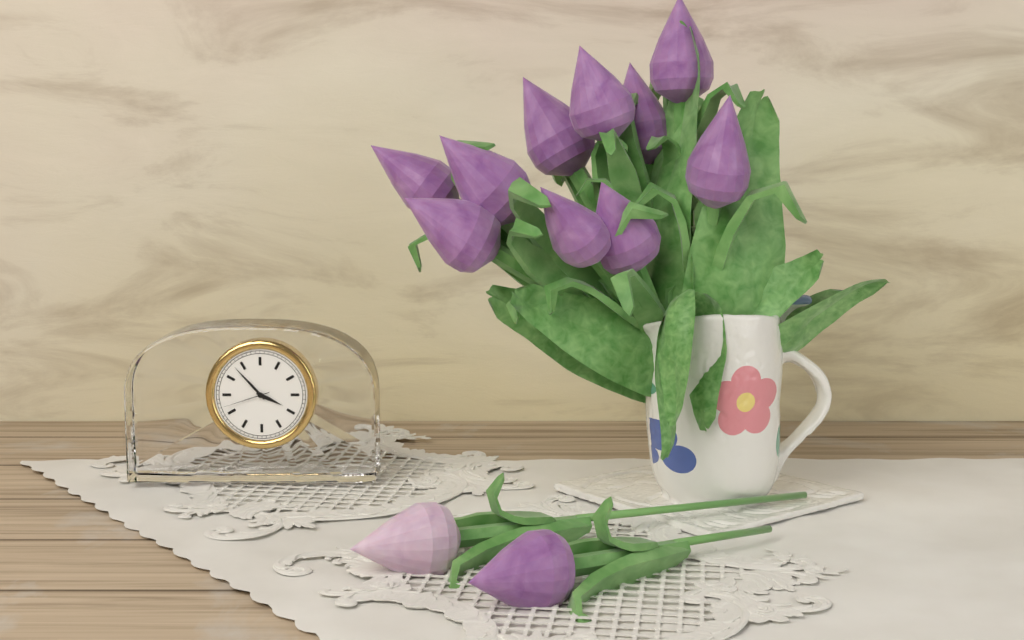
3:53
